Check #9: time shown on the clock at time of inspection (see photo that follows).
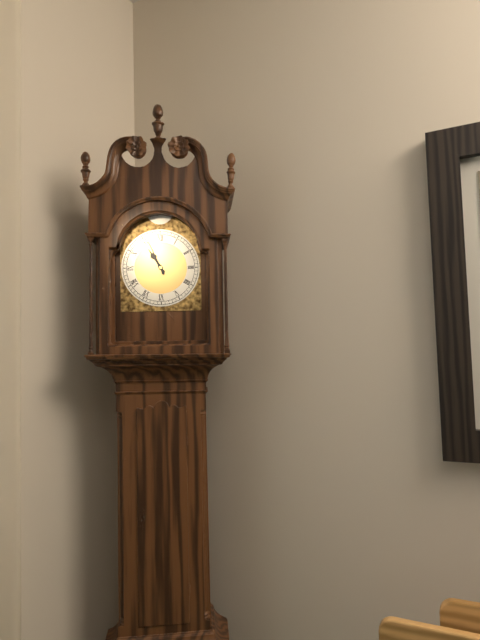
10:56
